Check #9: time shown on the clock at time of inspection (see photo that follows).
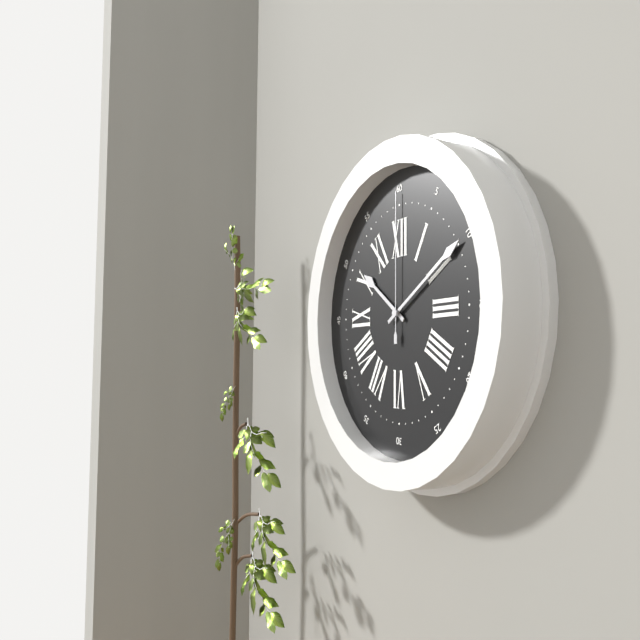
10:10:00
